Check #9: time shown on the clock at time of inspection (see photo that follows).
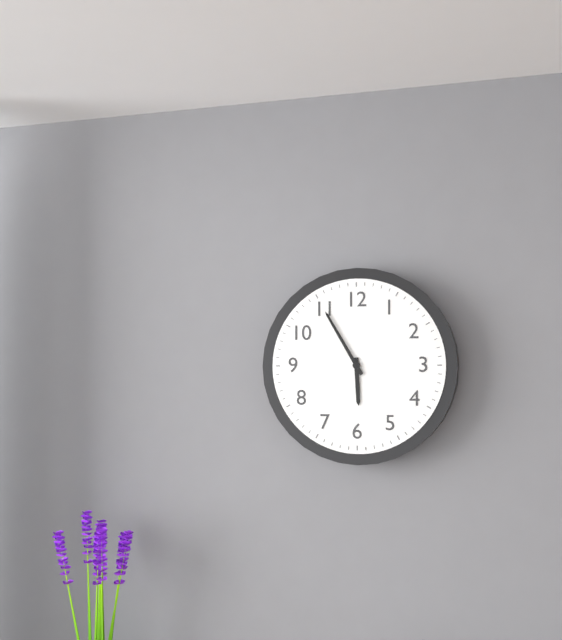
5:55
